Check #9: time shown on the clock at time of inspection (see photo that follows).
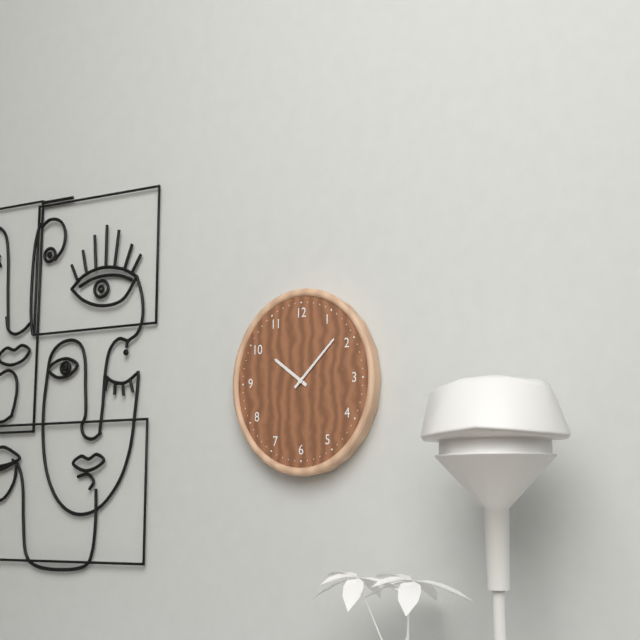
10:08
